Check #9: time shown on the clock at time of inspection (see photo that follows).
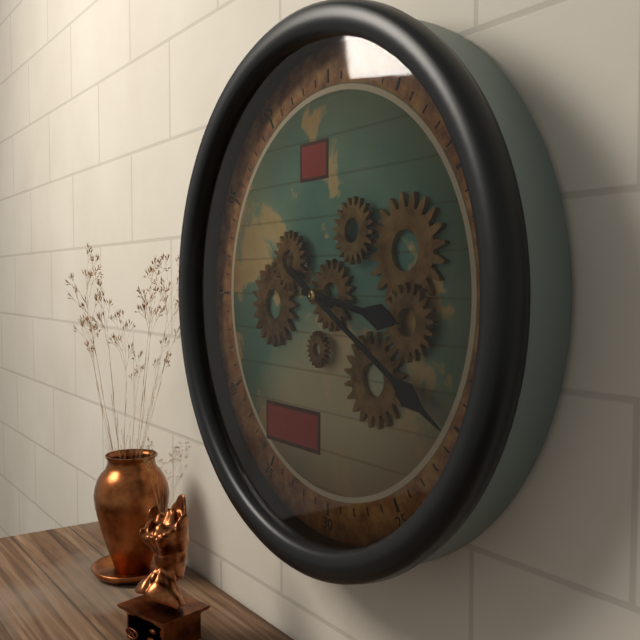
3:20
